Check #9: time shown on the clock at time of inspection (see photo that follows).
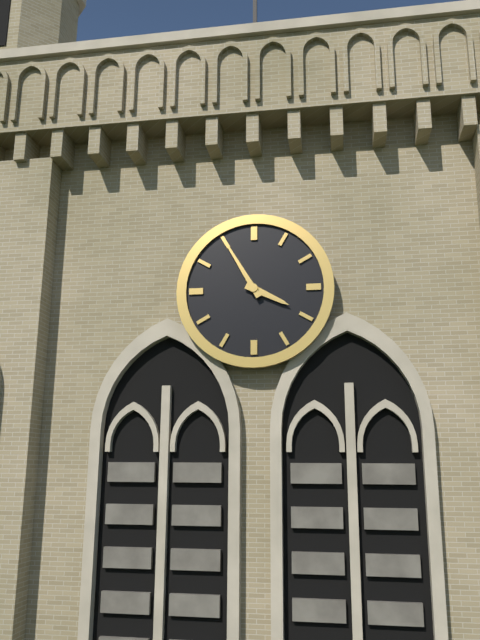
3:55
